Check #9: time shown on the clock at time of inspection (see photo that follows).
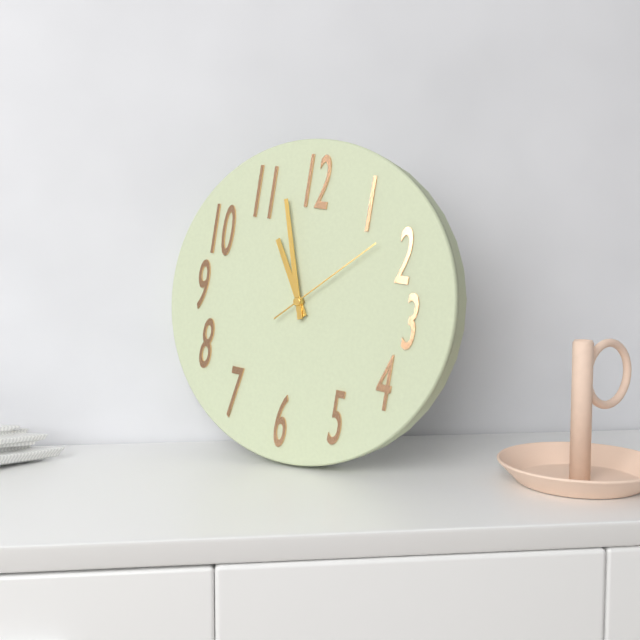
10:57:08
